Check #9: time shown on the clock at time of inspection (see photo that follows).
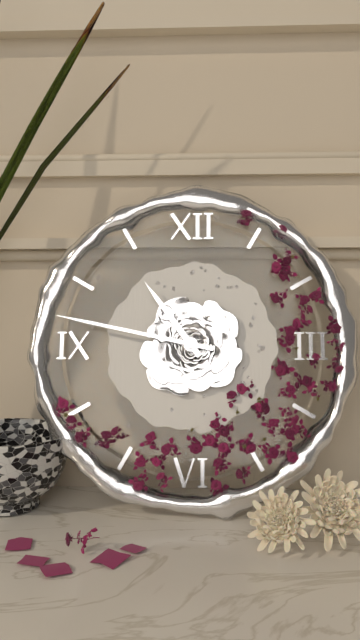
10:47
